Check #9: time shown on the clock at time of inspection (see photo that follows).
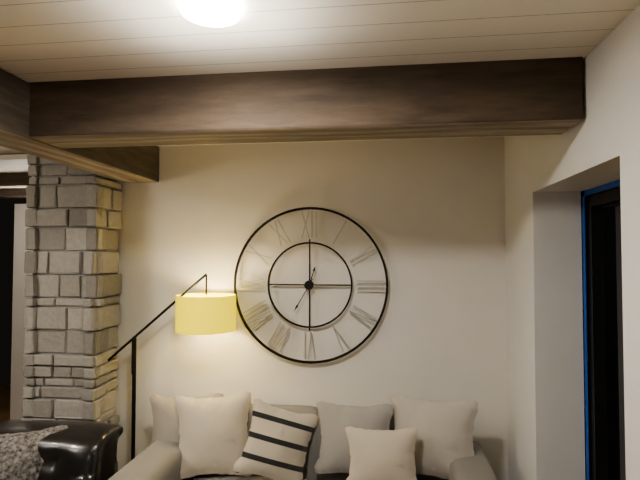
12:35
